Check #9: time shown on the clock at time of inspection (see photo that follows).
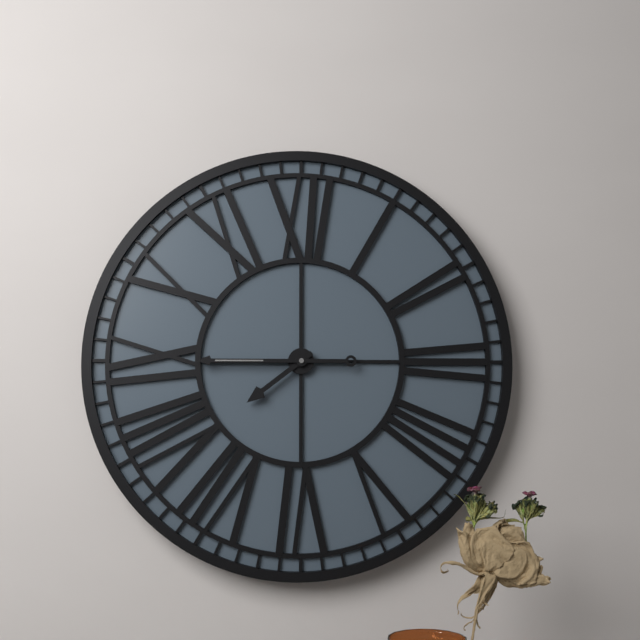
7:45
